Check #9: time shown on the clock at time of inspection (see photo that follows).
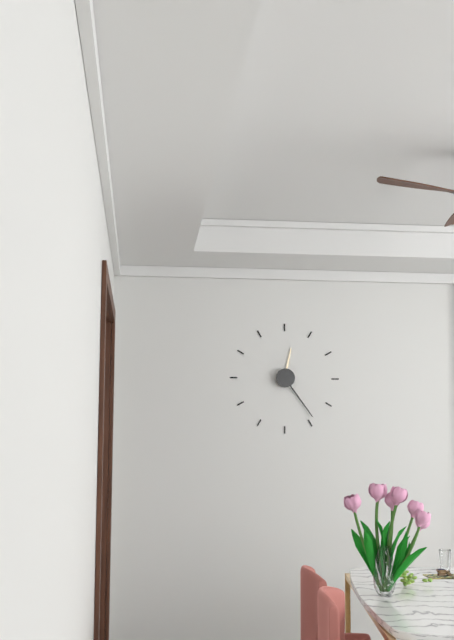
12:24
